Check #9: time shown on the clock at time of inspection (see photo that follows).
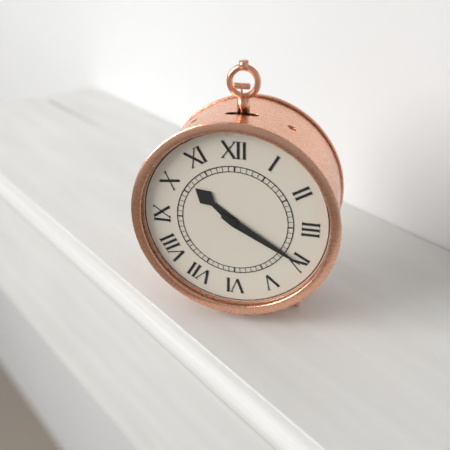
10:20
